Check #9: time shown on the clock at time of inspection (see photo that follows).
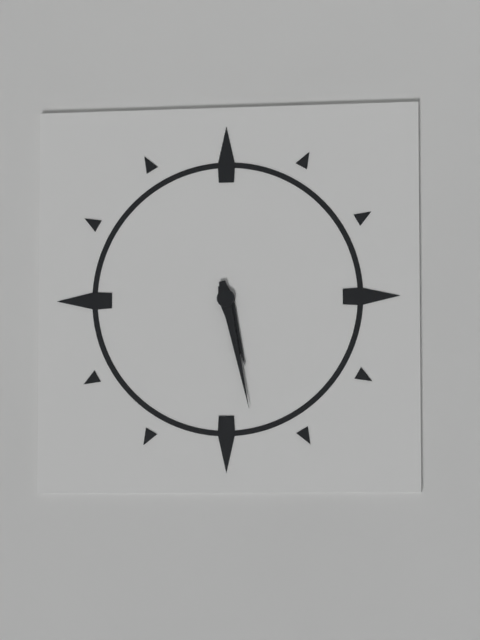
5:28
